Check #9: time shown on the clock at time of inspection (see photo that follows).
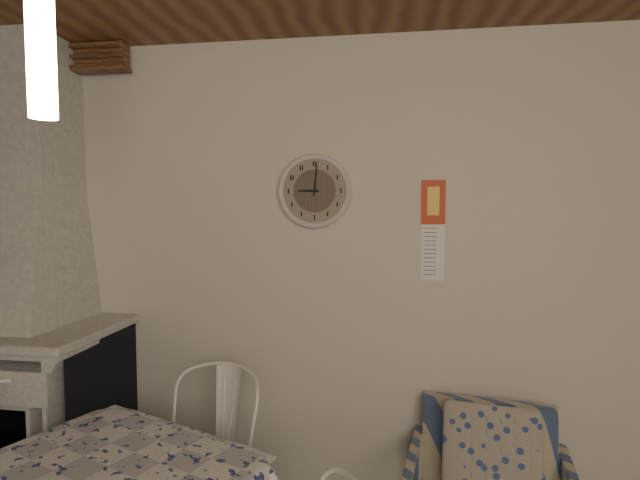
9:01
